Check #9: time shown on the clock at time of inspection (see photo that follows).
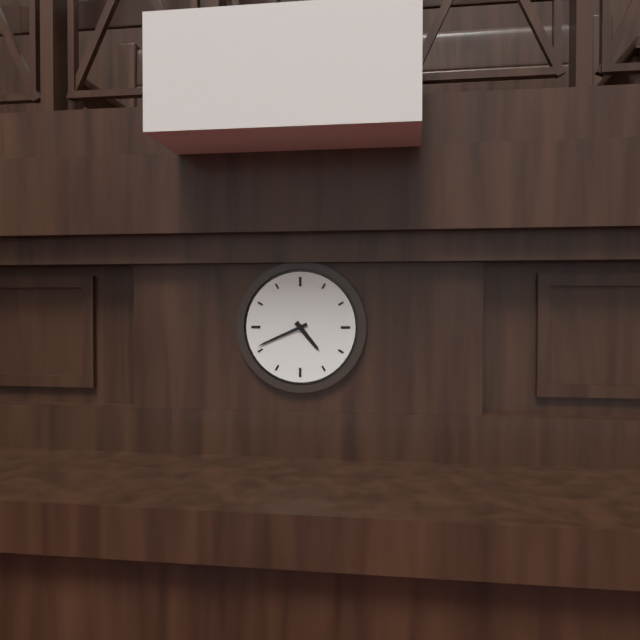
4:41
